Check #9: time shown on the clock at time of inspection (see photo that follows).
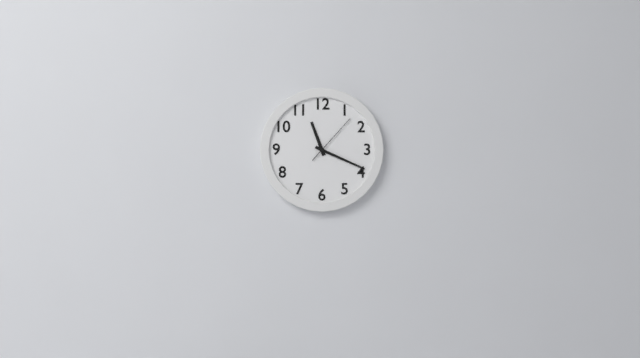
11:19:07
